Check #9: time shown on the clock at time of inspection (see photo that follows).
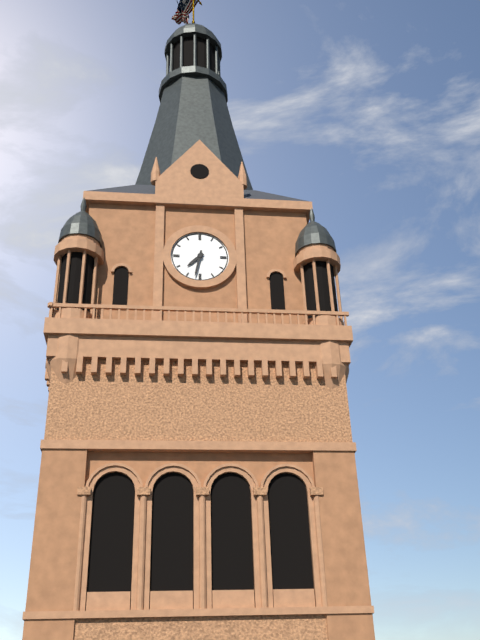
7:32
